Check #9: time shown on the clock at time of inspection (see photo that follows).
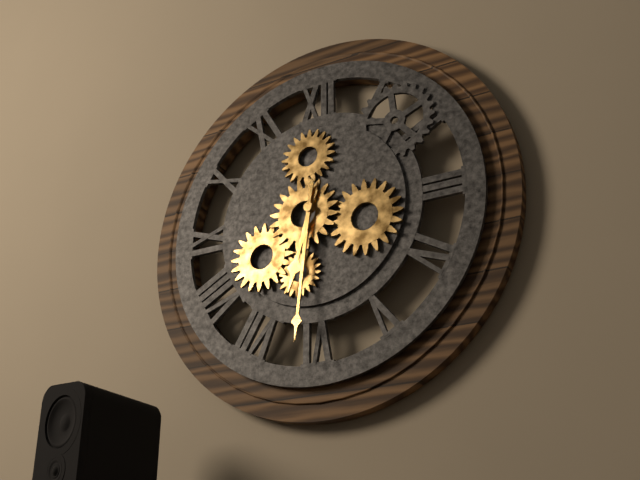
6:31
